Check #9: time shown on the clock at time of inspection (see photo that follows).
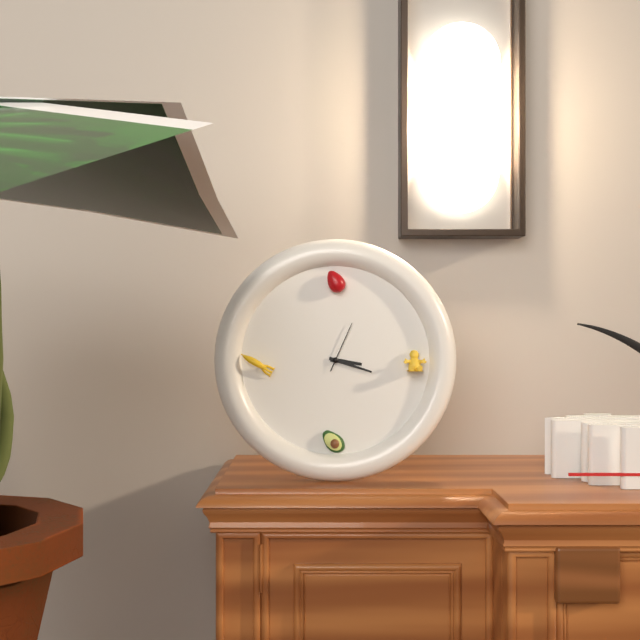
3:18:04
